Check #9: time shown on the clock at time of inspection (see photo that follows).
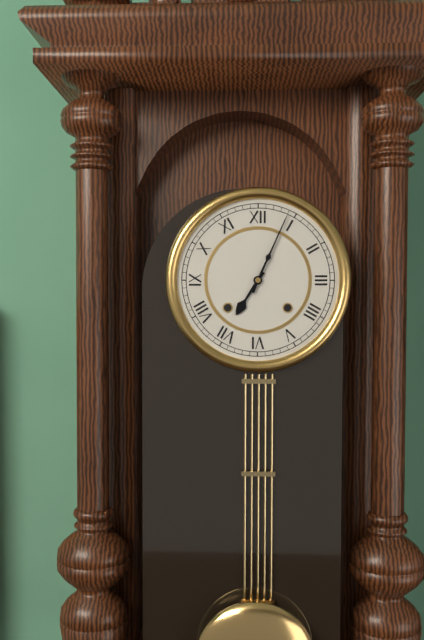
7:04
